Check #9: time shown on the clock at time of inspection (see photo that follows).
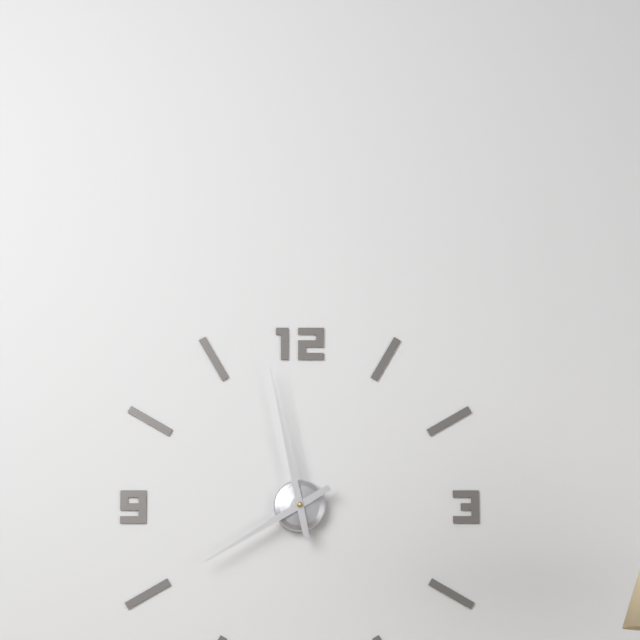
7:58
